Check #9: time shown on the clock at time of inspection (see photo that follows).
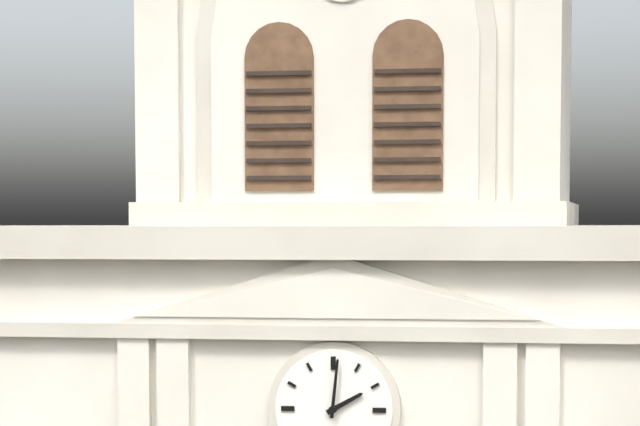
2:01
